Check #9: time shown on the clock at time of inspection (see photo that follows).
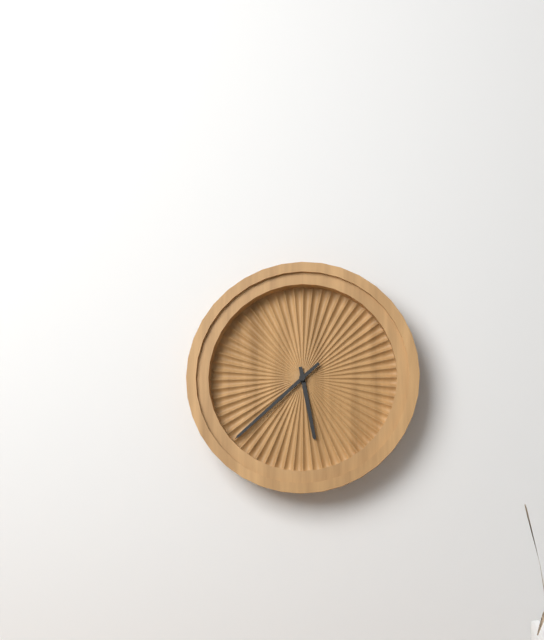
5:38
